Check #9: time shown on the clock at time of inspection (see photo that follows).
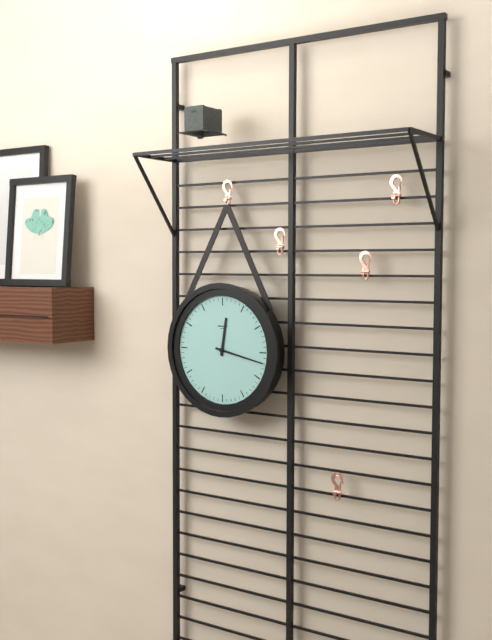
12:17
